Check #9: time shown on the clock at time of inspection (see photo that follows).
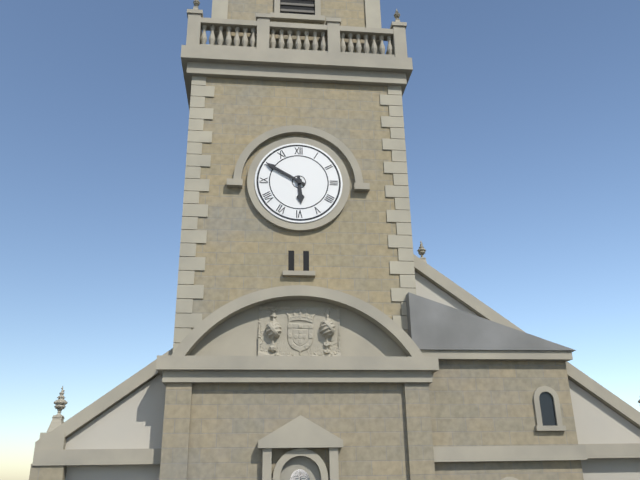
5:50
